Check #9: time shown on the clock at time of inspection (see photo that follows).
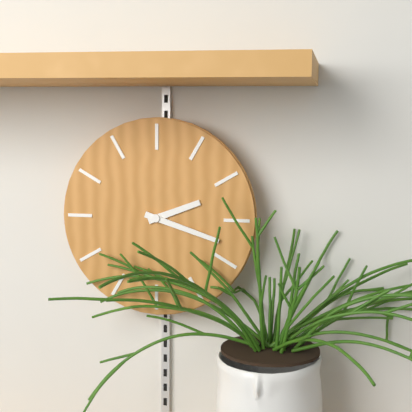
2:18
